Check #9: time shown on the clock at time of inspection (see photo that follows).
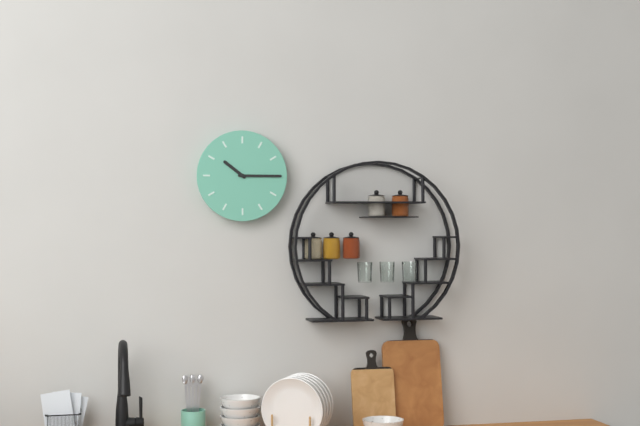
10:15
